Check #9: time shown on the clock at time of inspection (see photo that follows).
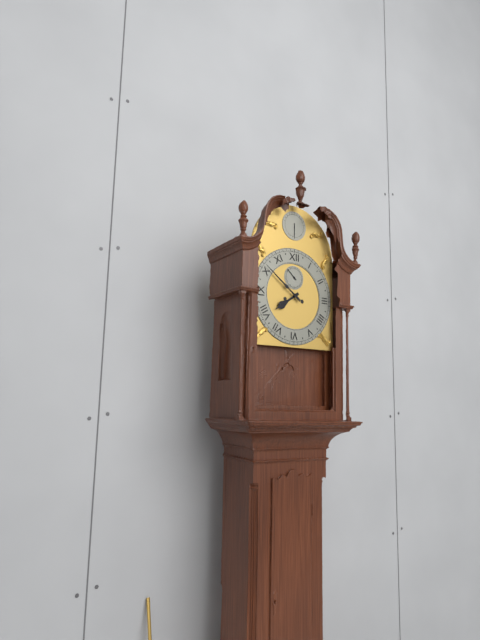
7:51
